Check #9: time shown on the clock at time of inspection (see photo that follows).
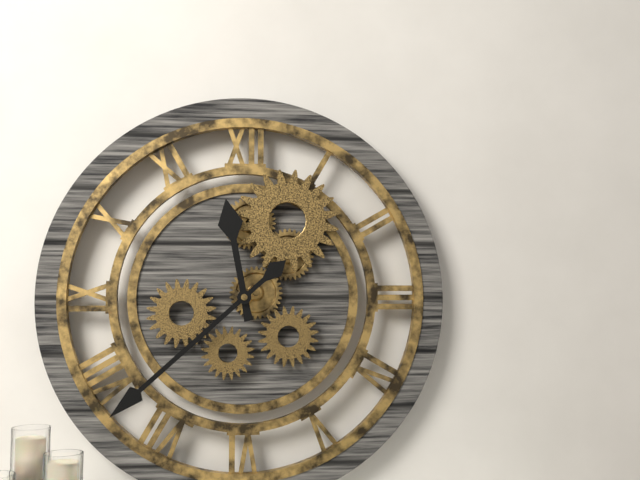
11:38
